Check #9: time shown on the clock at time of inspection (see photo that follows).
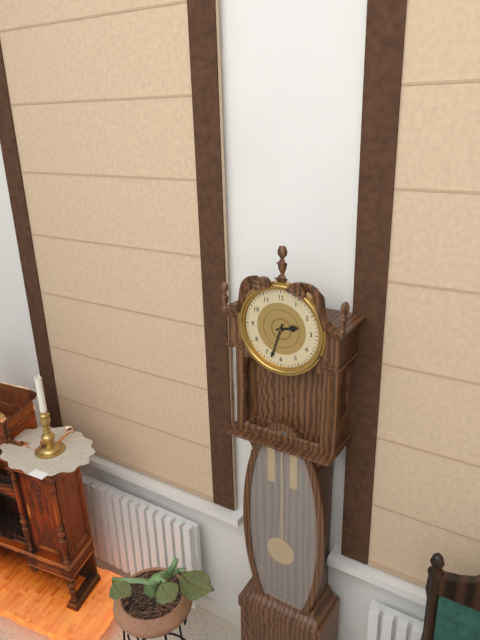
2:33
